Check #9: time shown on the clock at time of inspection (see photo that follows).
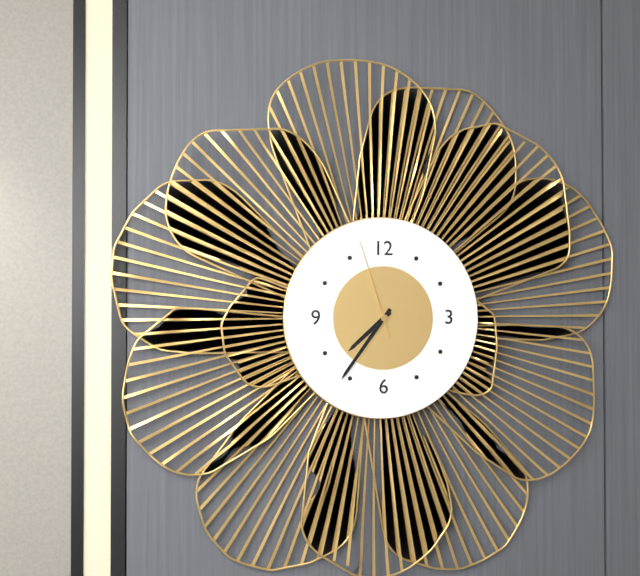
7:36:57
